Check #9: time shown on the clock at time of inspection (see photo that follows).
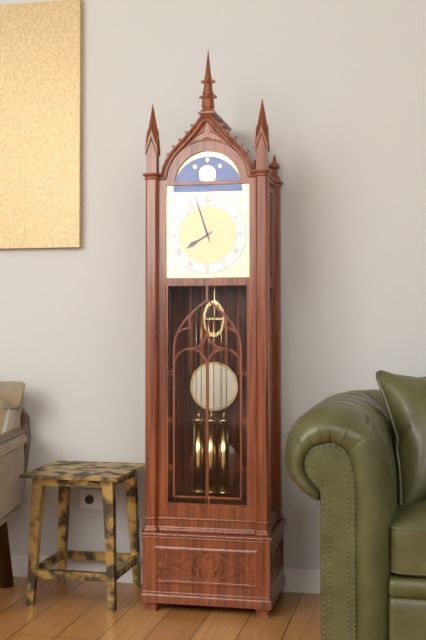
7:57
